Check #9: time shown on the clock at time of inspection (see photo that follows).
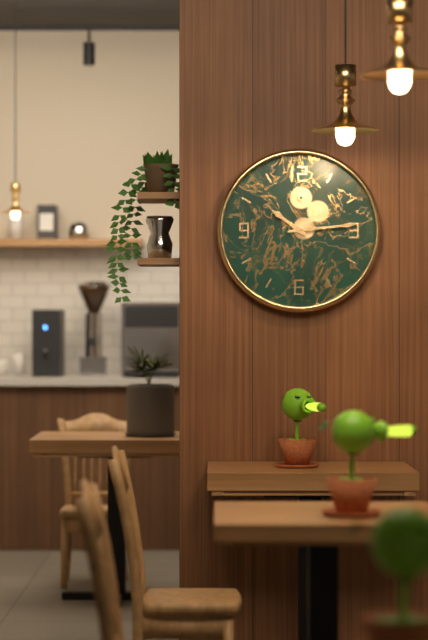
10:14
